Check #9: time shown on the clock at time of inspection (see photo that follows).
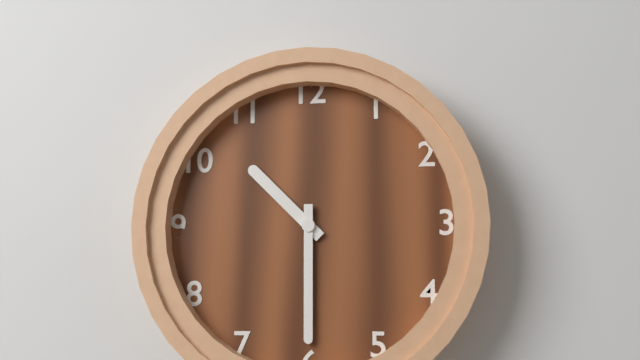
10:30
